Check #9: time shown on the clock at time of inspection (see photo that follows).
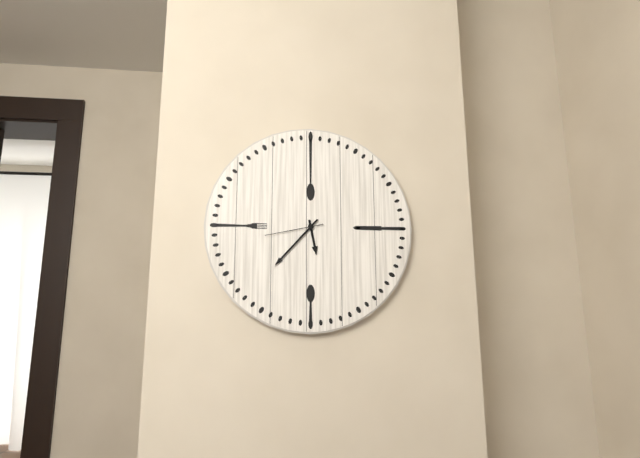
5:37:43
